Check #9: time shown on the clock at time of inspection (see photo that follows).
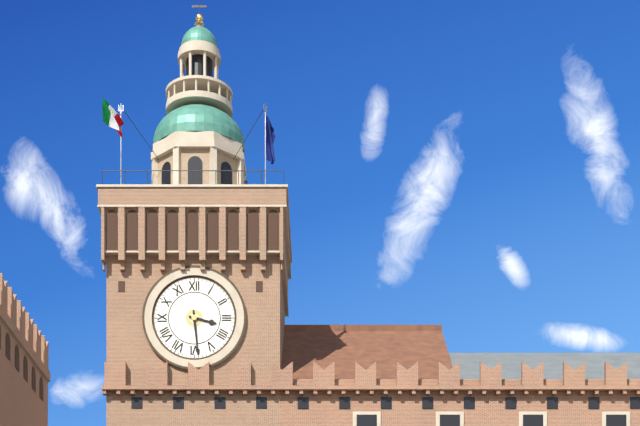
3:29
